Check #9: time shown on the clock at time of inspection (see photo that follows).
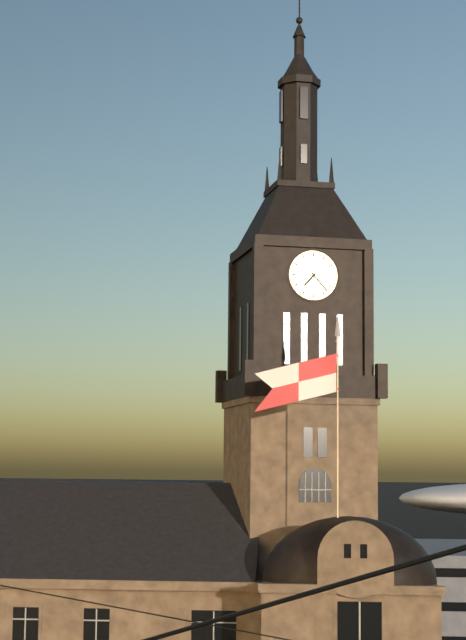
7:23
